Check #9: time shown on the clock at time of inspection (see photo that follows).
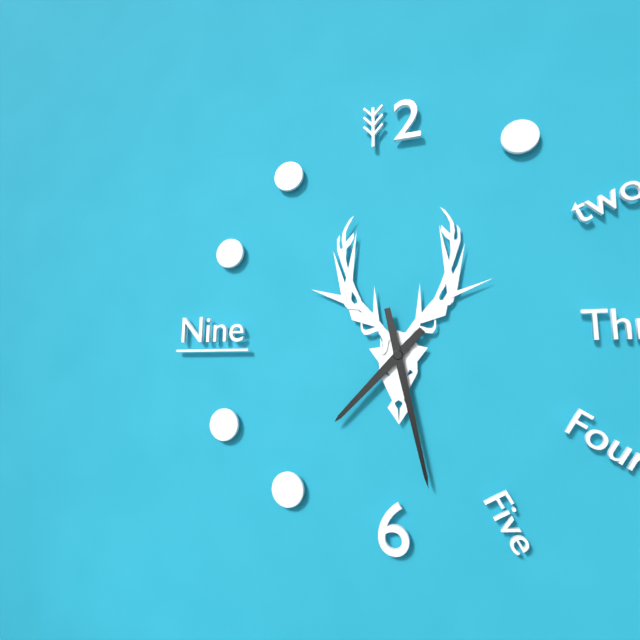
7:28
